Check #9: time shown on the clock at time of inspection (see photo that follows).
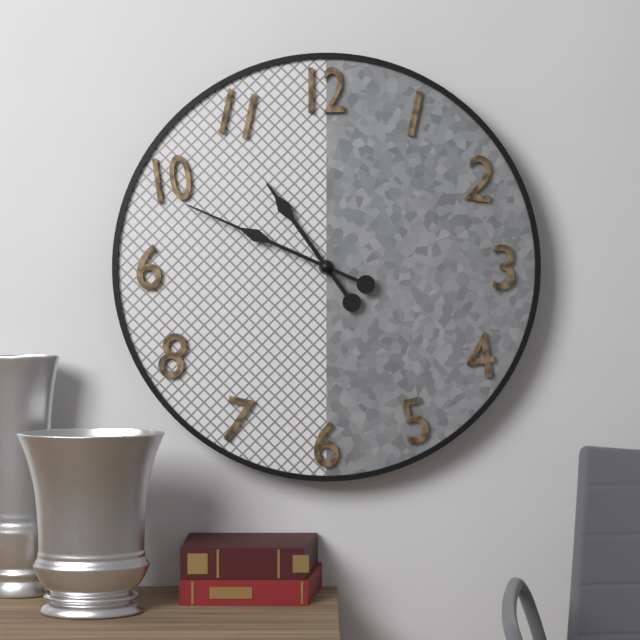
10:49
